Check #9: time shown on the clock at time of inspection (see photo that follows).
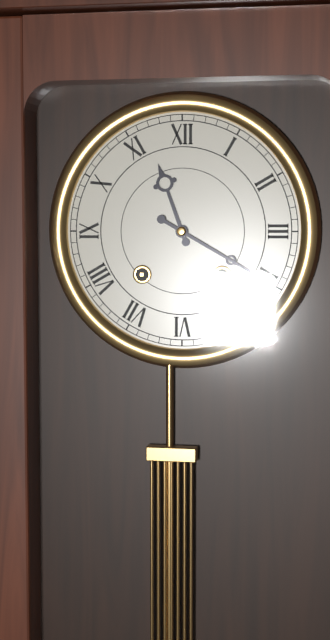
11:20
